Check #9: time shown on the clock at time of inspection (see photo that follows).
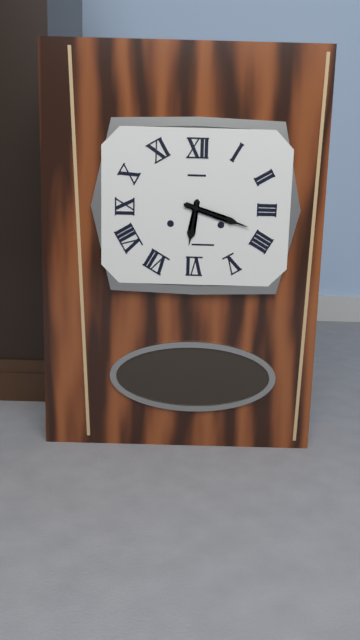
6:18
